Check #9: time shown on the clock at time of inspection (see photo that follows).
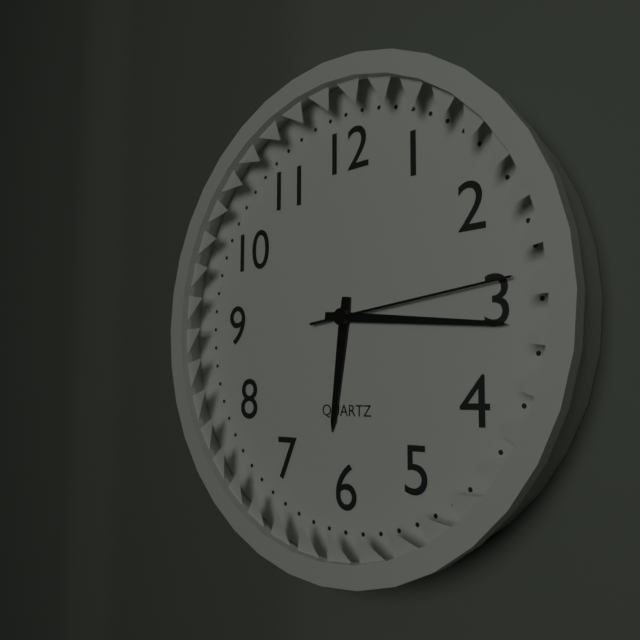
6:16:14
